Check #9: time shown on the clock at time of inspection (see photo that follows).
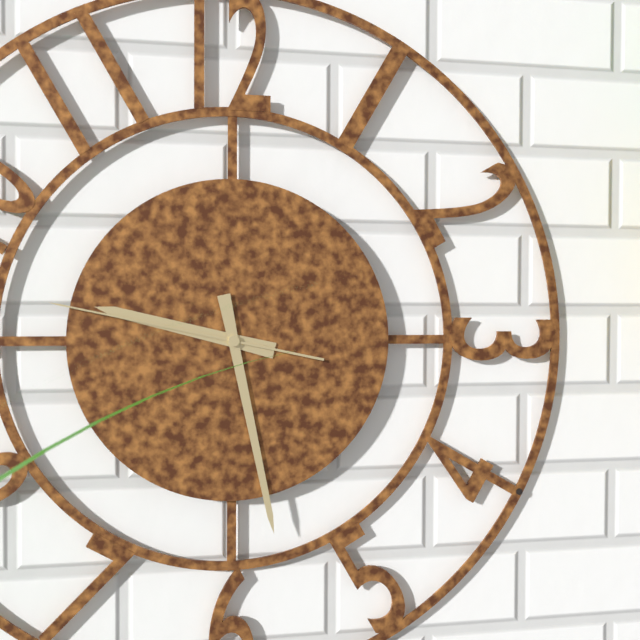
9:28:47
